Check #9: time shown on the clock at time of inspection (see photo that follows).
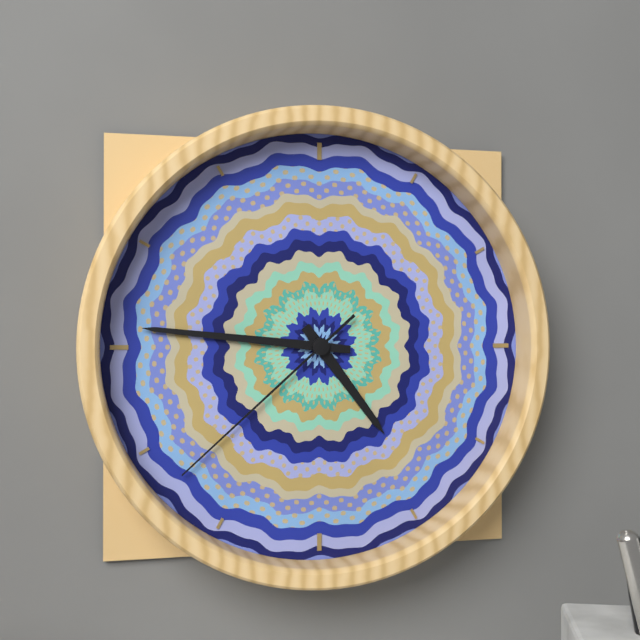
4:46:38
